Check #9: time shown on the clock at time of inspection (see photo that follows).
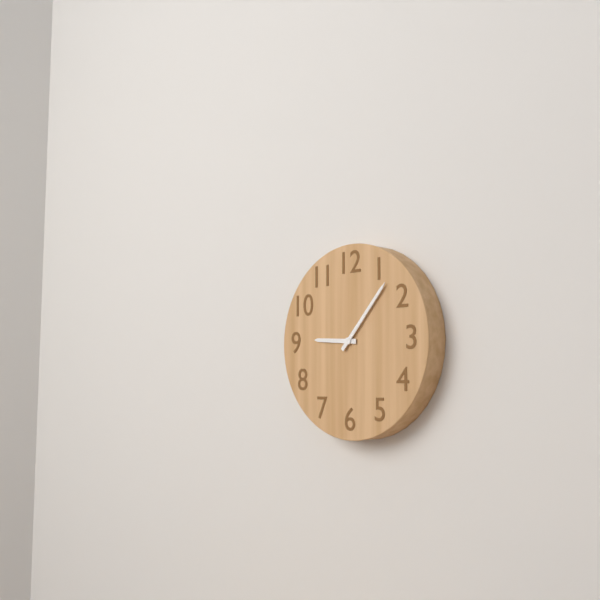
9:07
